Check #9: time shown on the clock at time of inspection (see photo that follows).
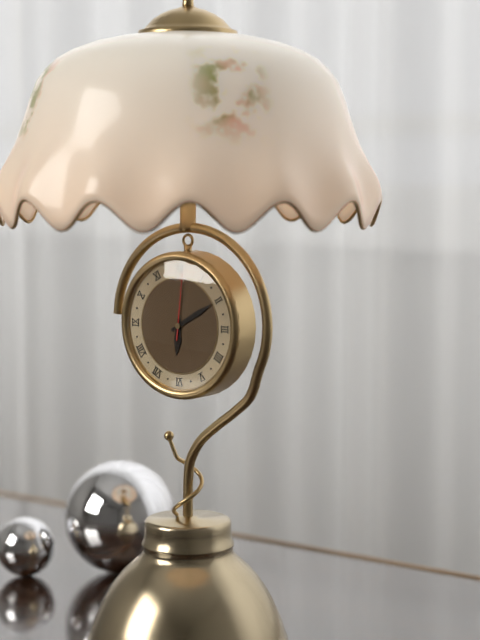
6:10:01
